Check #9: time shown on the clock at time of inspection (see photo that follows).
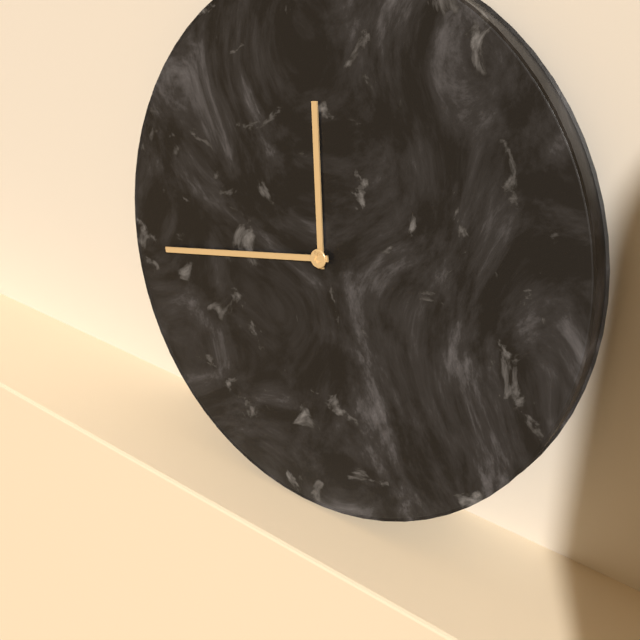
11:43
